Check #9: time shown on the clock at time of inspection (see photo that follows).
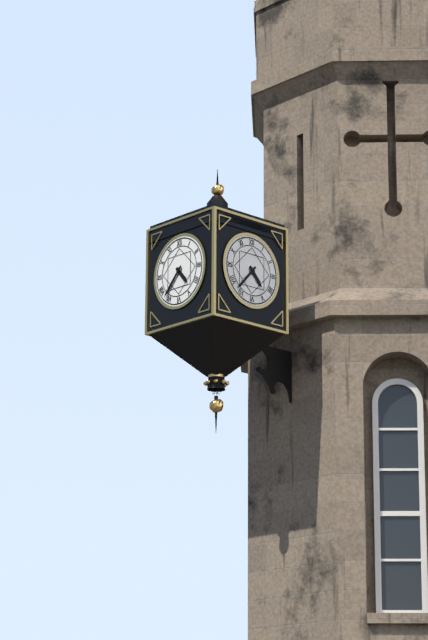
4:37
